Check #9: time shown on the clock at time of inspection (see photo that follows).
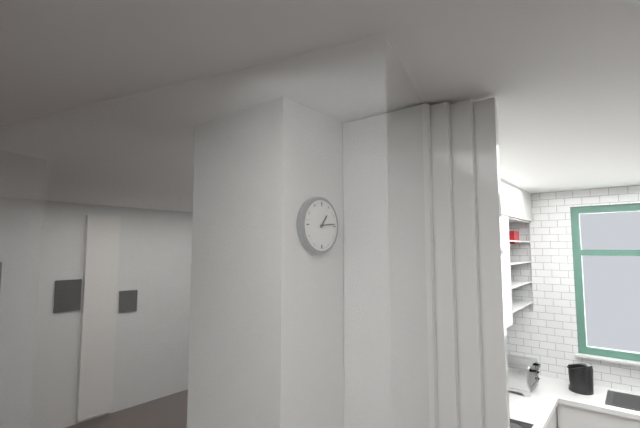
1:14
